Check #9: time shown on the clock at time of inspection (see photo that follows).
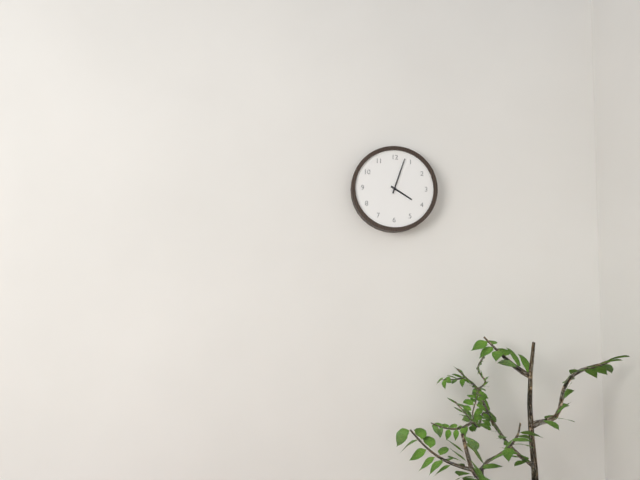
4:03
